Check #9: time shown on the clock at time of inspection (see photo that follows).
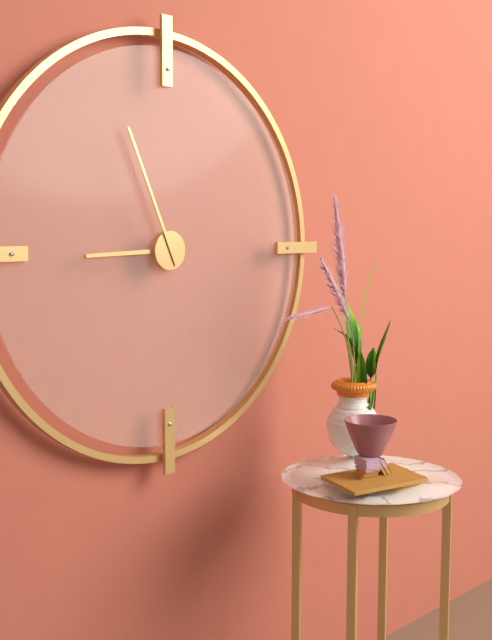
8:56
